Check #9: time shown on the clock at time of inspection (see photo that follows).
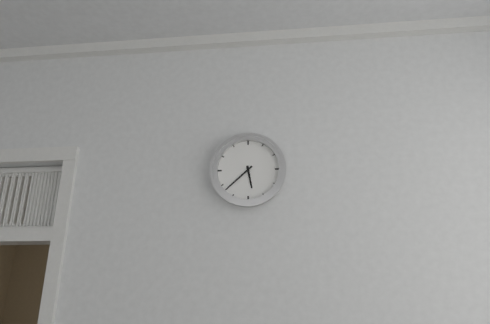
5:38
